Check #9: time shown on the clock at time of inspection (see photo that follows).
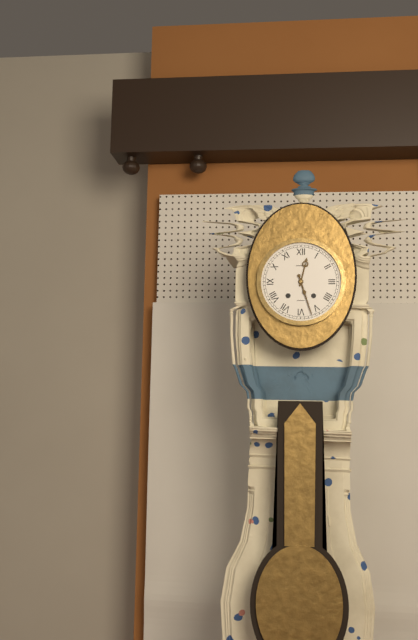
12:27
